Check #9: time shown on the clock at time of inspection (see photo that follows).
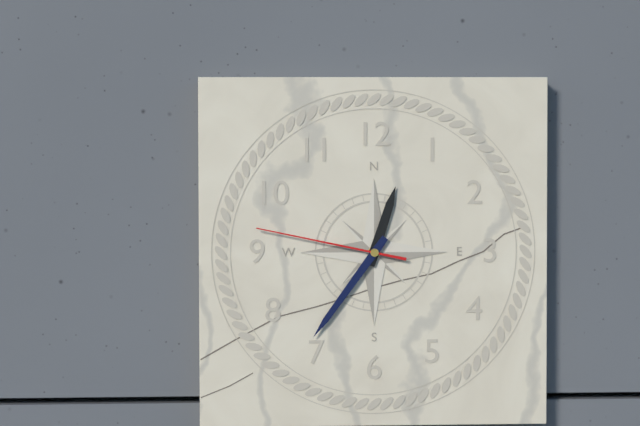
12:36:47
